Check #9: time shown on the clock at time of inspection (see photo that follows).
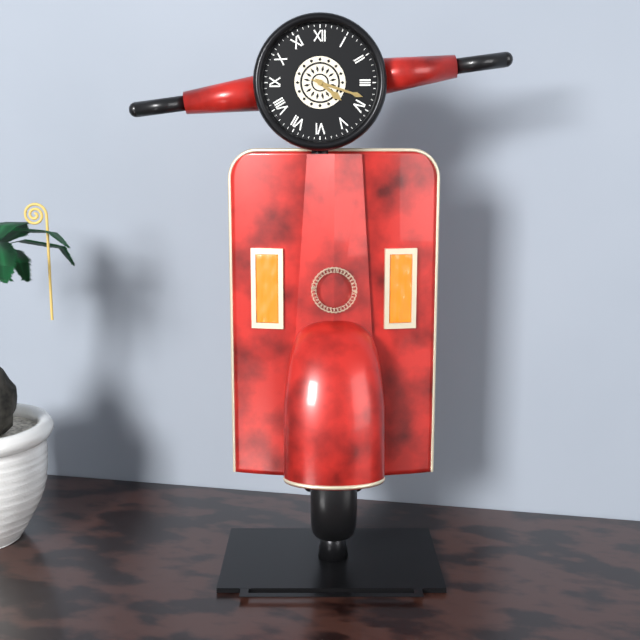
4:18
